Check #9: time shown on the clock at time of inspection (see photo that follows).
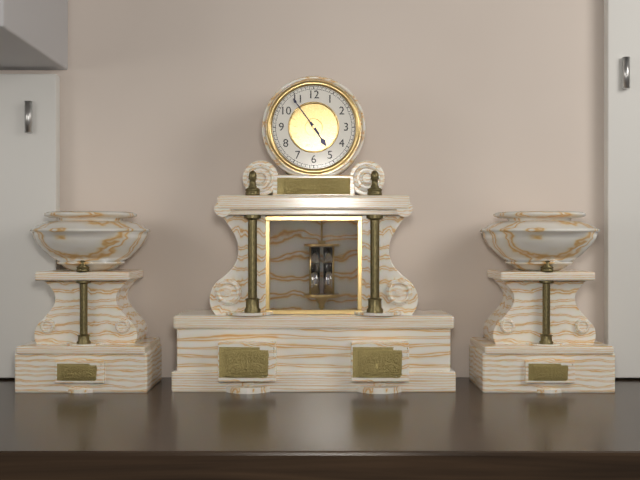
4:54
